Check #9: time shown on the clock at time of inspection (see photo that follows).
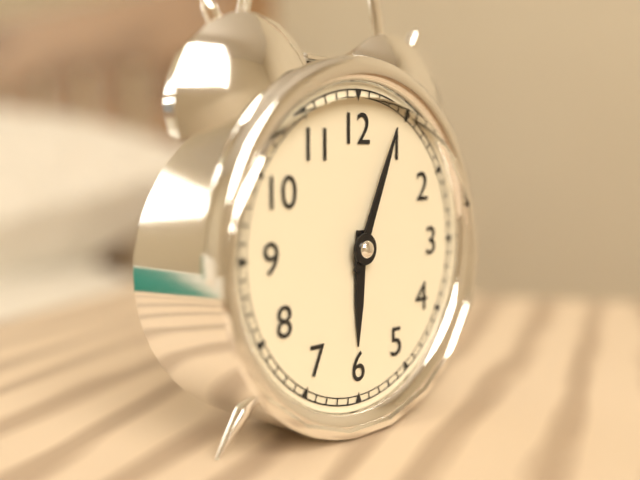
6:04
